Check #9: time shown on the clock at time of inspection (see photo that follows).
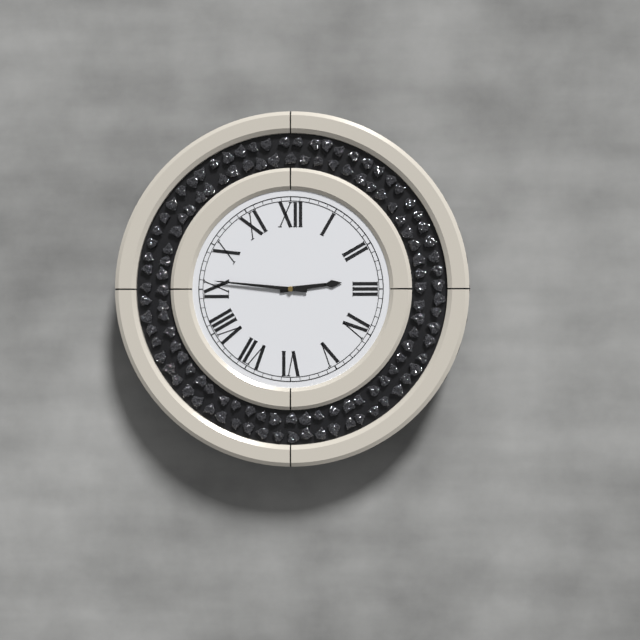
2:46
